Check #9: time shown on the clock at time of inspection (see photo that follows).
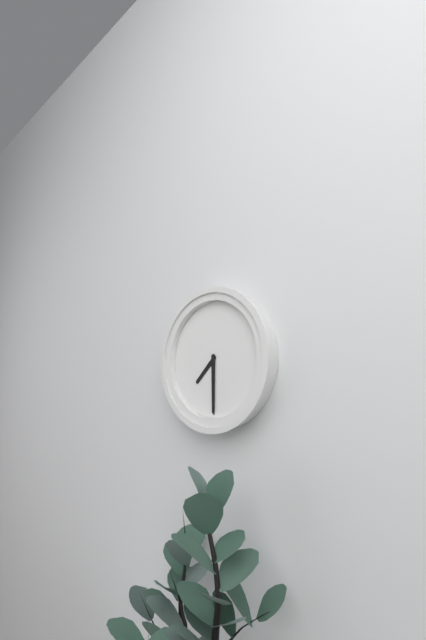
7:30
